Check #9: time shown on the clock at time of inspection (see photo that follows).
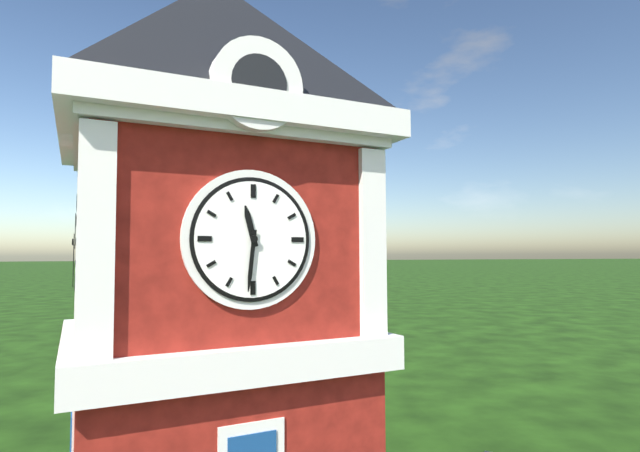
11:31
